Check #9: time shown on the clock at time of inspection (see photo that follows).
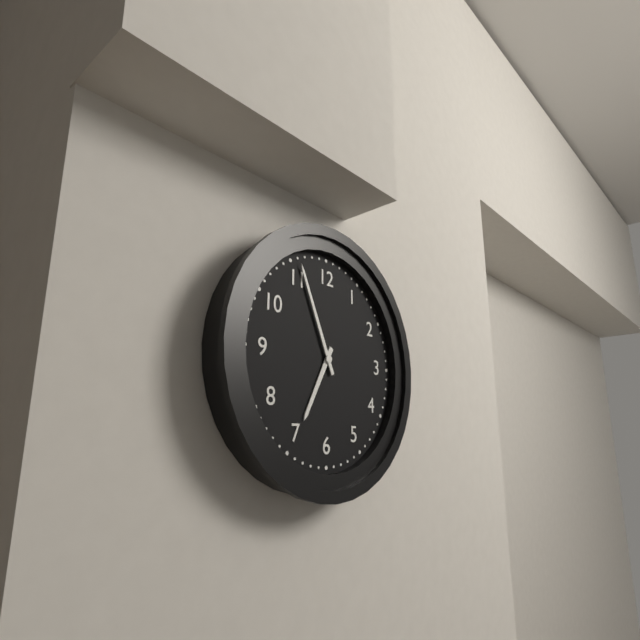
6:56
